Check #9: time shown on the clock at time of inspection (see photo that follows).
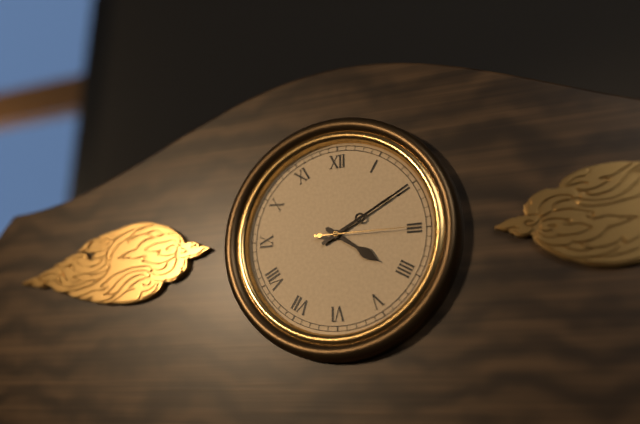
4:10:15
